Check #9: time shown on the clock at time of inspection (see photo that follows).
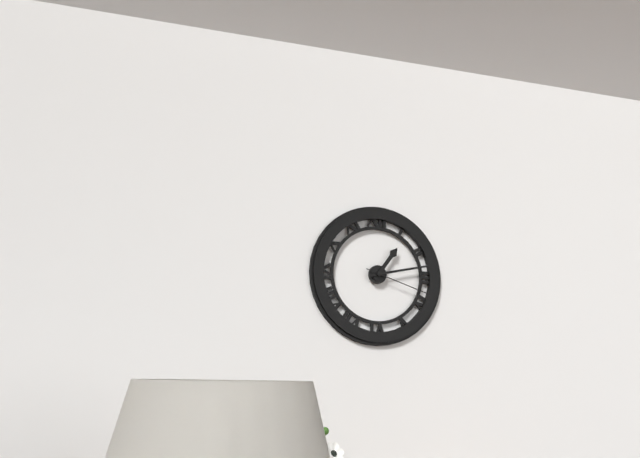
1:13:18
